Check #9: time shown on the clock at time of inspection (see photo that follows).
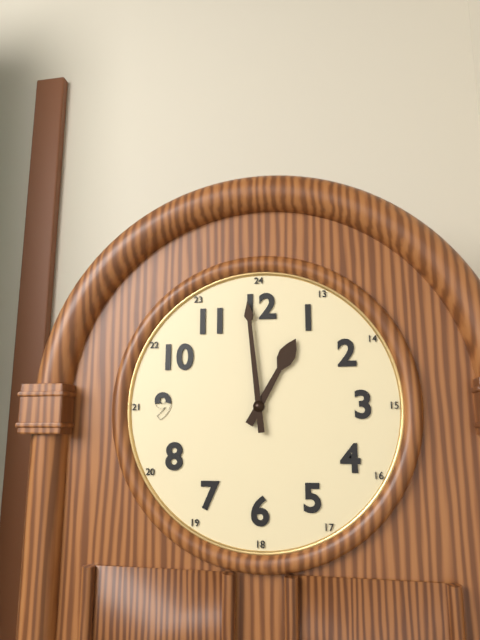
12:59
